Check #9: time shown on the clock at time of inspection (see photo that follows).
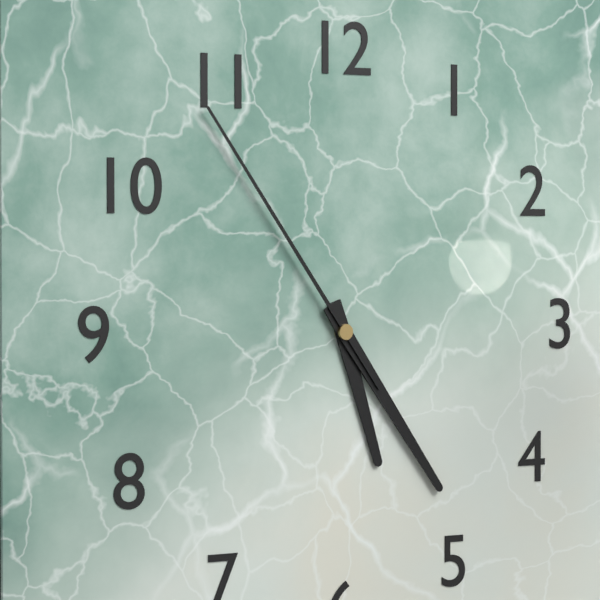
5:24:54
